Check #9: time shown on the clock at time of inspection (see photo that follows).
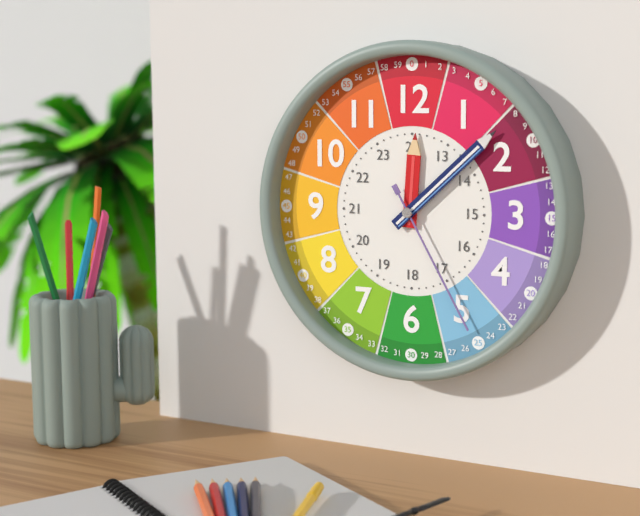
12:08:25
